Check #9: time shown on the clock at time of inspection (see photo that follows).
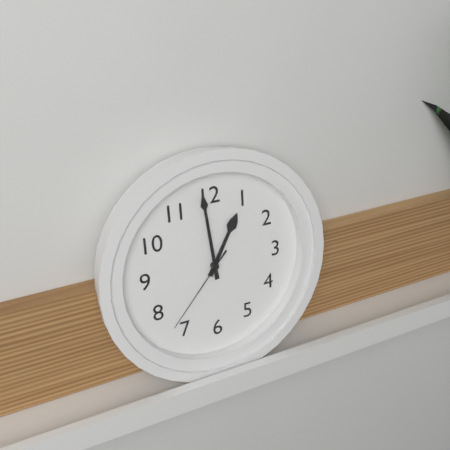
12:59:37
